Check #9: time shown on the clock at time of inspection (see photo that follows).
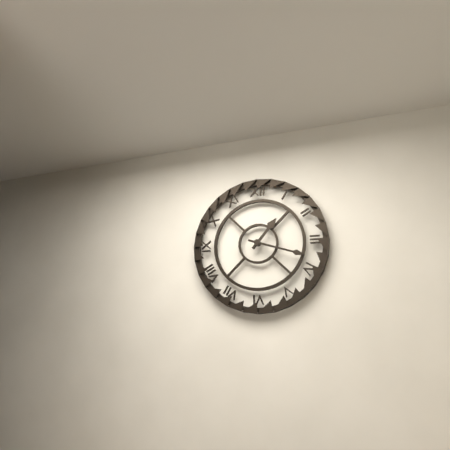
1:18
